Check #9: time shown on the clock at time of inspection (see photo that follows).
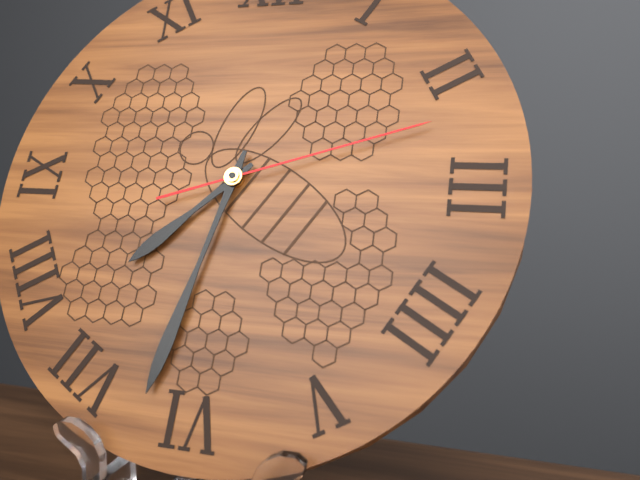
7:32:12
